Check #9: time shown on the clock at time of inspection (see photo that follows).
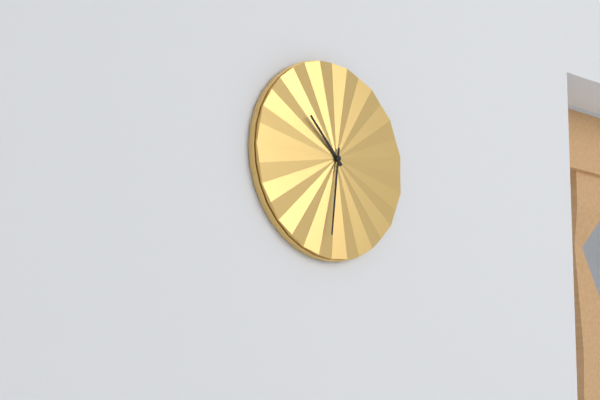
10:31
